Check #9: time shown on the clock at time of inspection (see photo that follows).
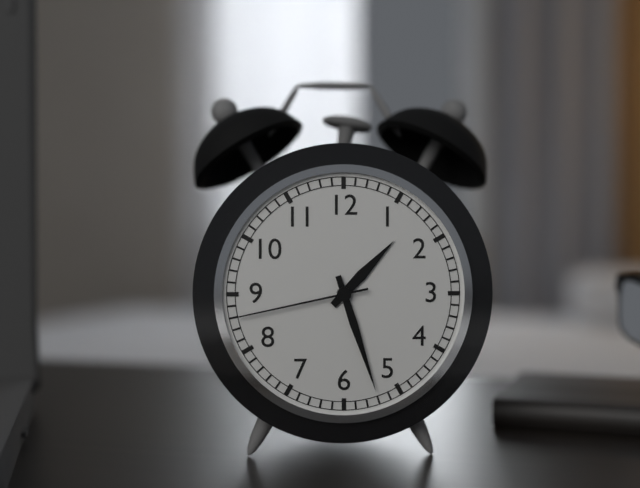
1:27:43
